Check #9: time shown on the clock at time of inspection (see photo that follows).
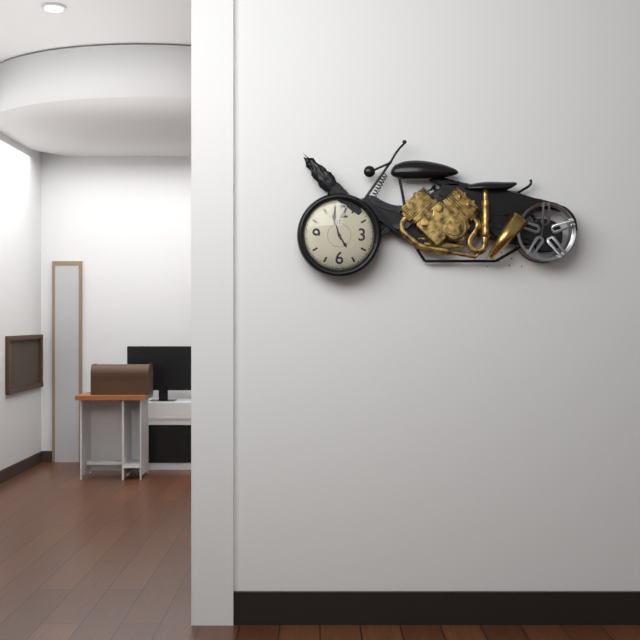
4:57
